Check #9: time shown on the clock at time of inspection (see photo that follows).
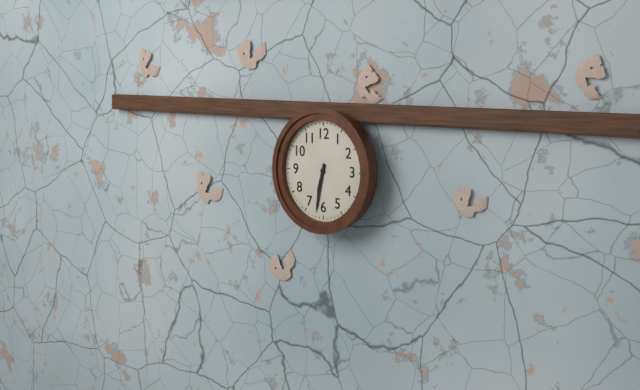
6:32
